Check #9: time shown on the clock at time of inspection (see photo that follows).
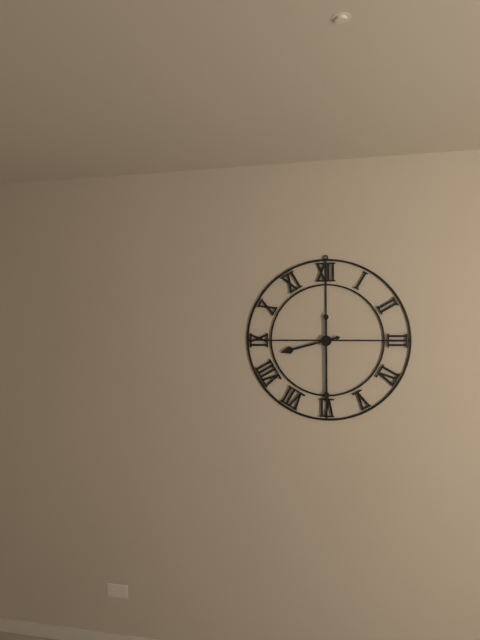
8:30
